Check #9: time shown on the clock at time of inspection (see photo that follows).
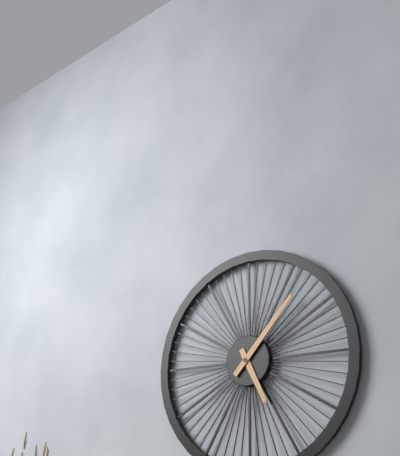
5:07
